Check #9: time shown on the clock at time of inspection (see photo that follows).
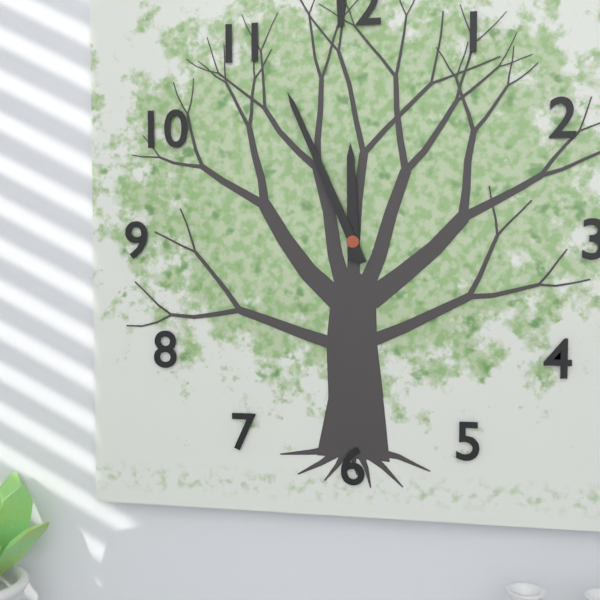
11:56
